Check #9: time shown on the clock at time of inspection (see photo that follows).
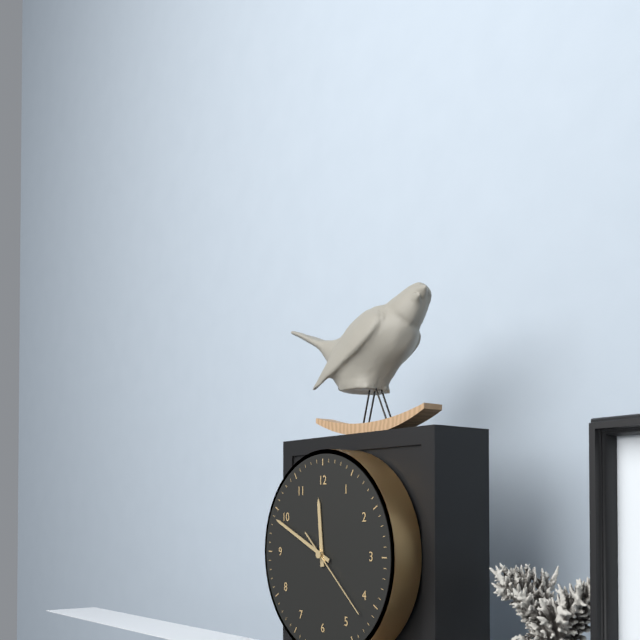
11:49:22
